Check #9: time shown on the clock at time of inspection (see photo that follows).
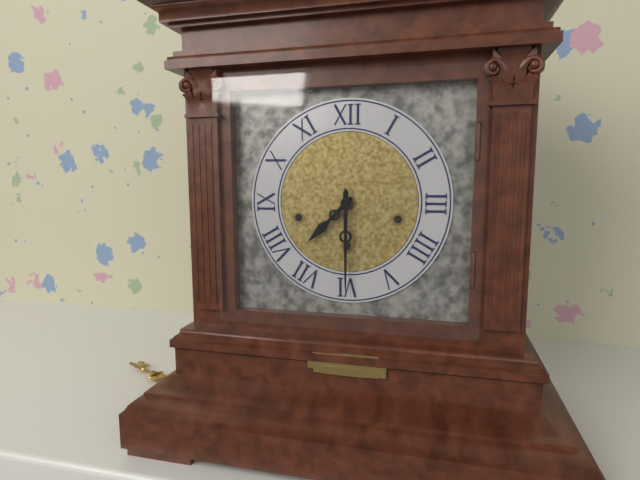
7:30
